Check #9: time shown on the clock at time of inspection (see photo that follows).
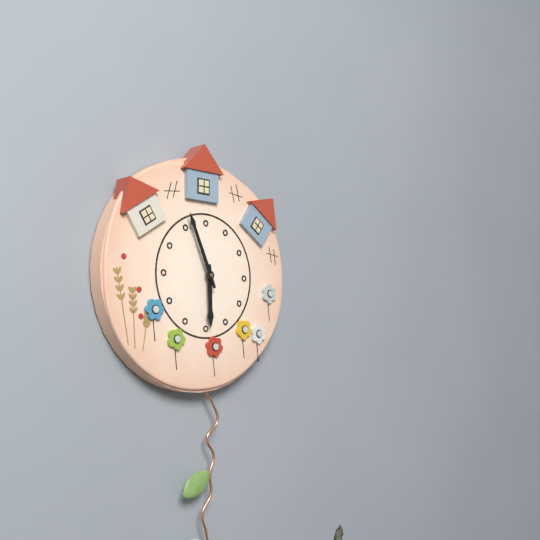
5:56
